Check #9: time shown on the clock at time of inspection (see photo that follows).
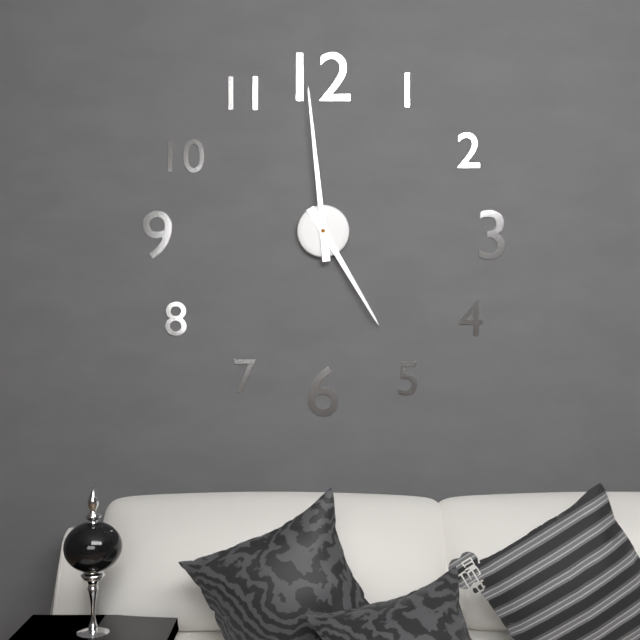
4:59
